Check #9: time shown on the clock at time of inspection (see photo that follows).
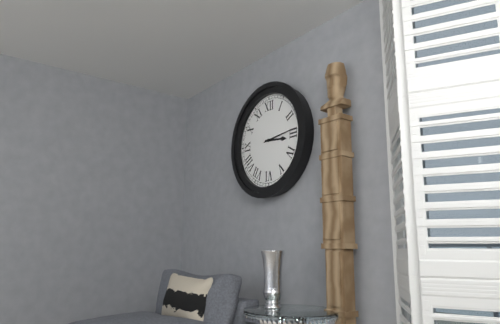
3:14
